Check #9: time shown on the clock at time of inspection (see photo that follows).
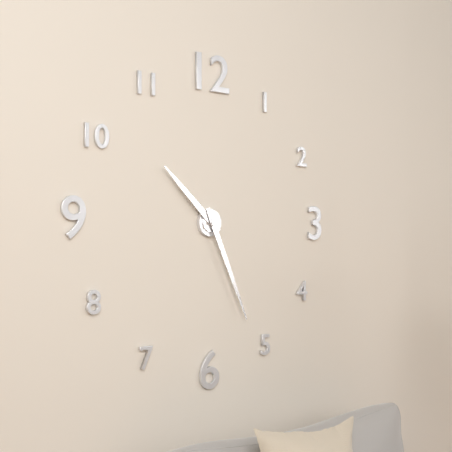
10:26
